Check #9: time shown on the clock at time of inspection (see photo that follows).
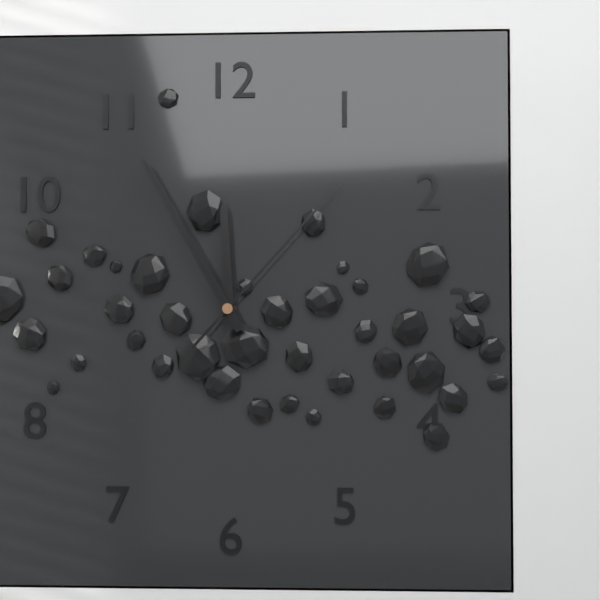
11:55:07
